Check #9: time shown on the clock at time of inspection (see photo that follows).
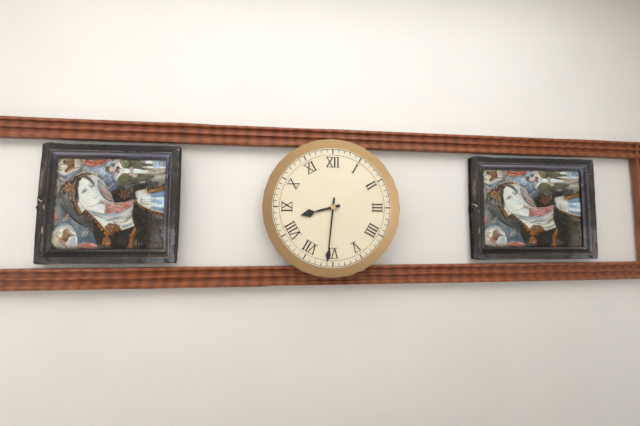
8:31
